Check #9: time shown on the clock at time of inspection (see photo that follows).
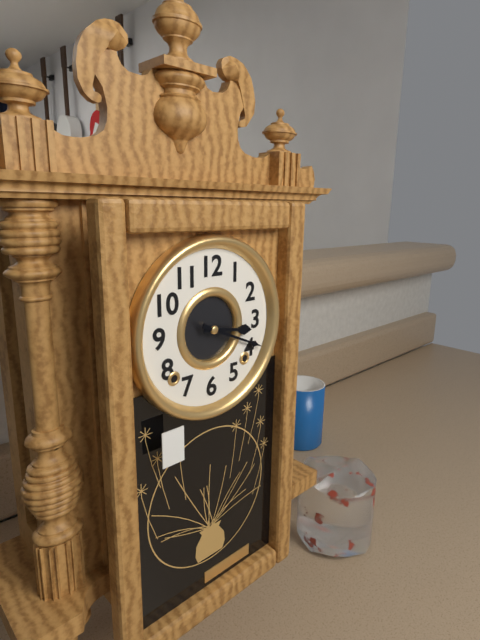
3:19
